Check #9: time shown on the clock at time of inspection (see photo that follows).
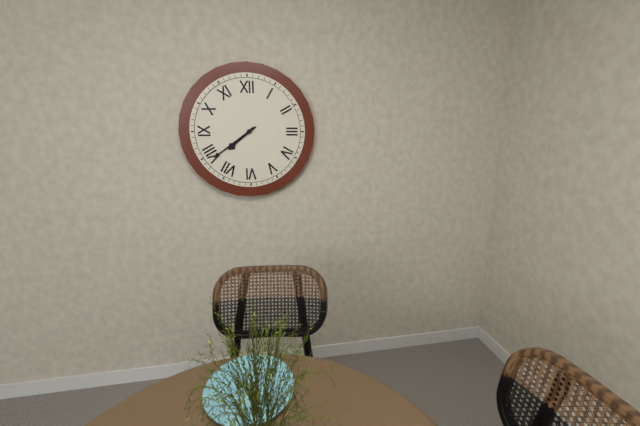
7:39
